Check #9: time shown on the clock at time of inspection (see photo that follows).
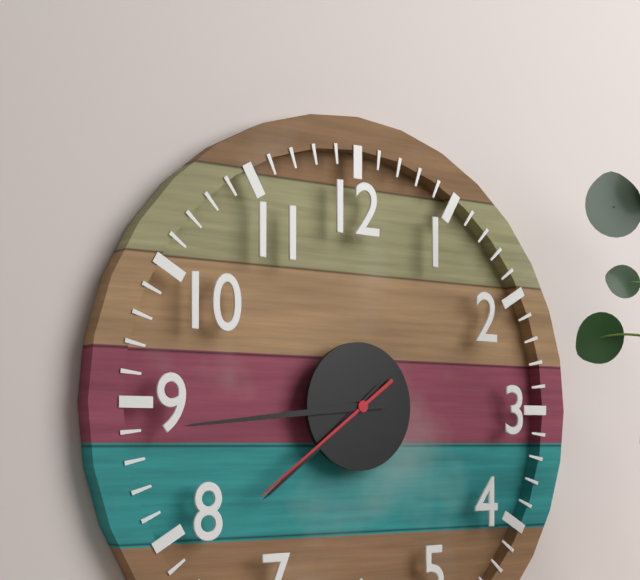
7:44:39
